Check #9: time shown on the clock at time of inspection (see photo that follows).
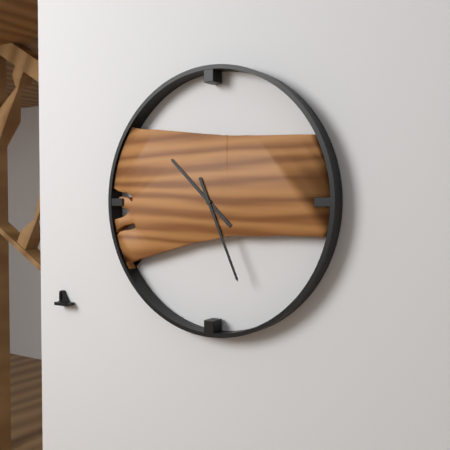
10:26
